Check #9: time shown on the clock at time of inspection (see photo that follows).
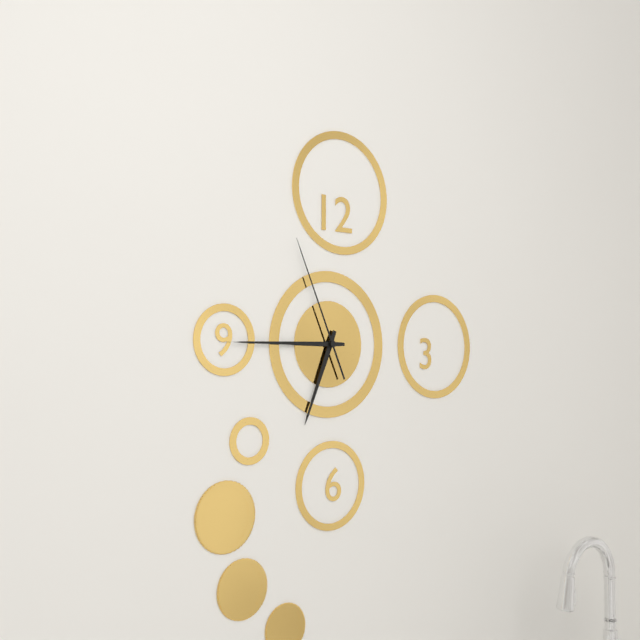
6:45:56
